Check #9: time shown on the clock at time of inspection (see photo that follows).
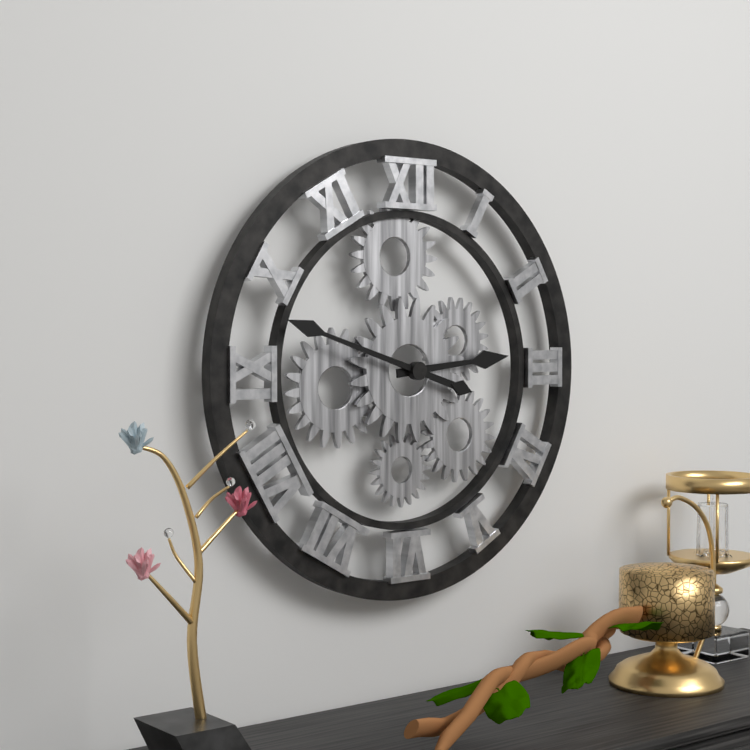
2:48
